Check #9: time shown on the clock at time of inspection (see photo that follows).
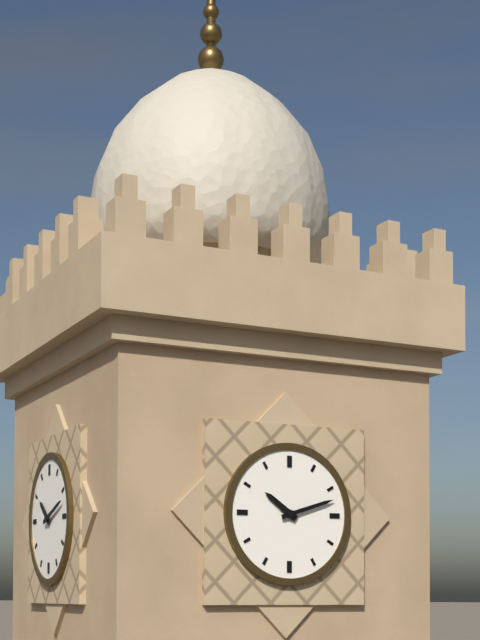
10:12
